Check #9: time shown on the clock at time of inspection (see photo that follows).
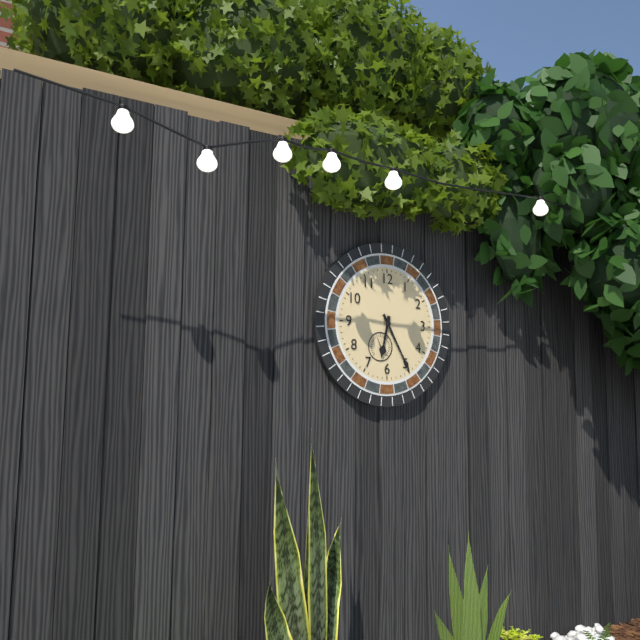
6:25
